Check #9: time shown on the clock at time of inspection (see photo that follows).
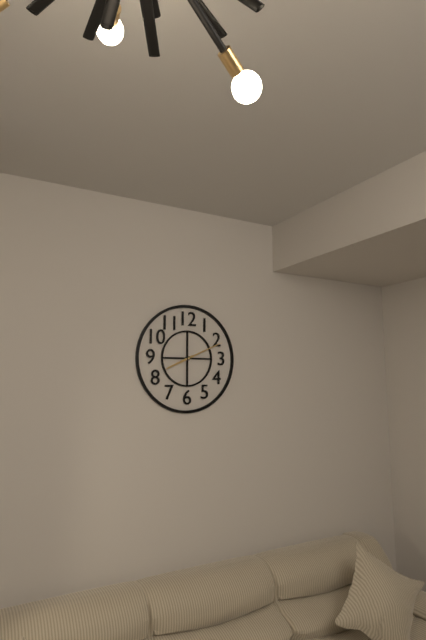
8:11
